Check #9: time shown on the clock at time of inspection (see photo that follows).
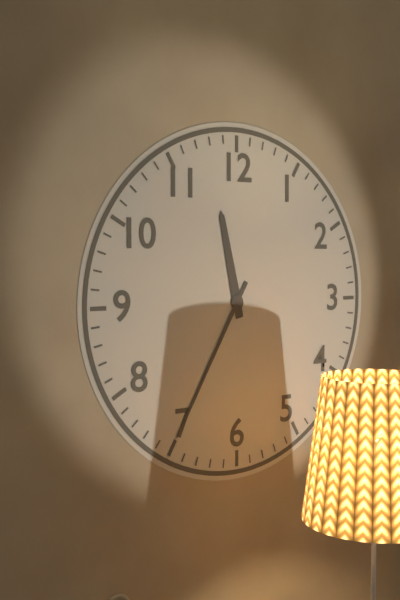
11:35
